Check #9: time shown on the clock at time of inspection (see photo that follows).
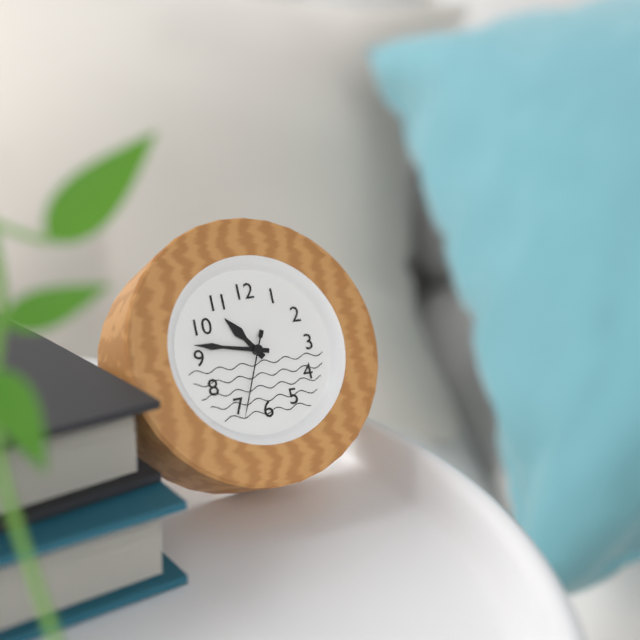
10:47:34
